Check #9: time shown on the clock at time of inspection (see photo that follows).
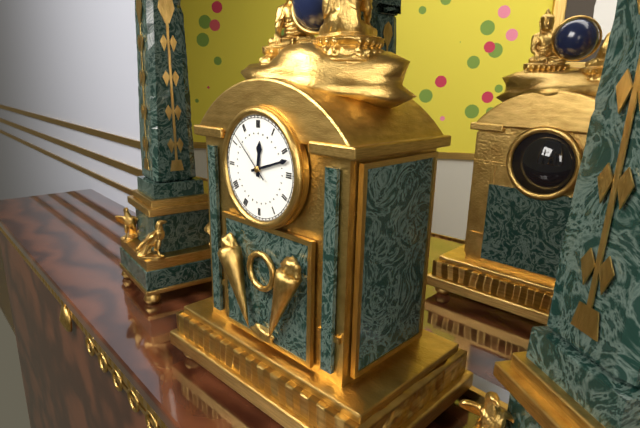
12:12:52
